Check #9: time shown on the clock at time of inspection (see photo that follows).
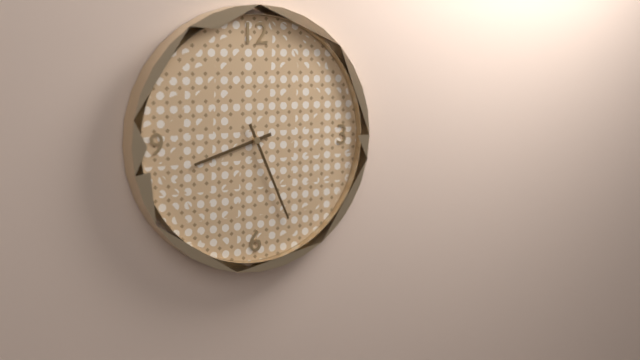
8:26
